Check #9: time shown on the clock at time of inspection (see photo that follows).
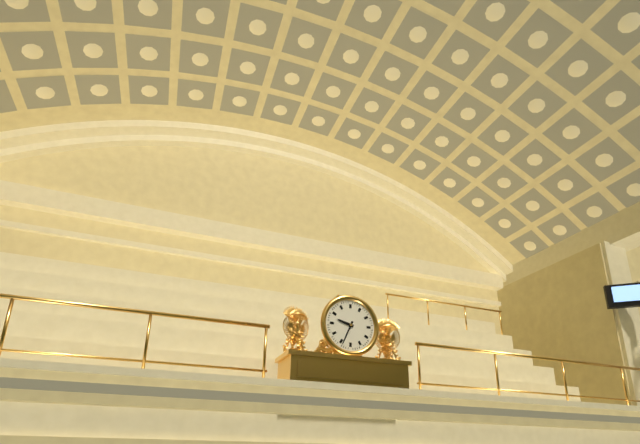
9:34
